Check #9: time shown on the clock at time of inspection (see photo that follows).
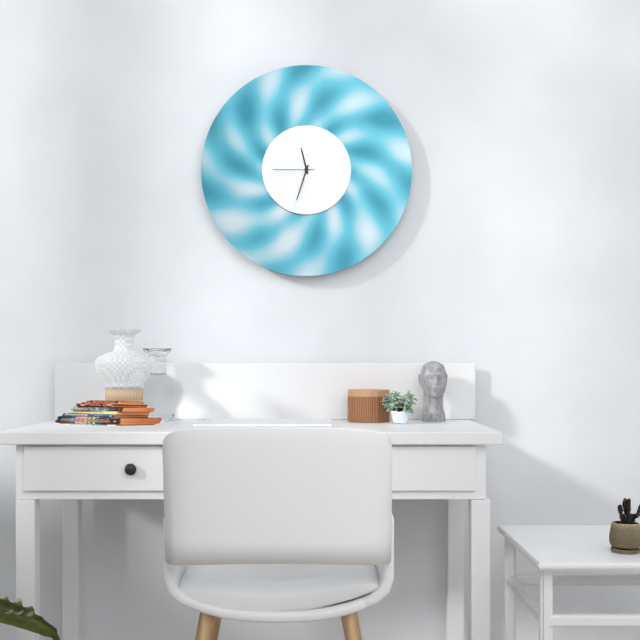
11:33
